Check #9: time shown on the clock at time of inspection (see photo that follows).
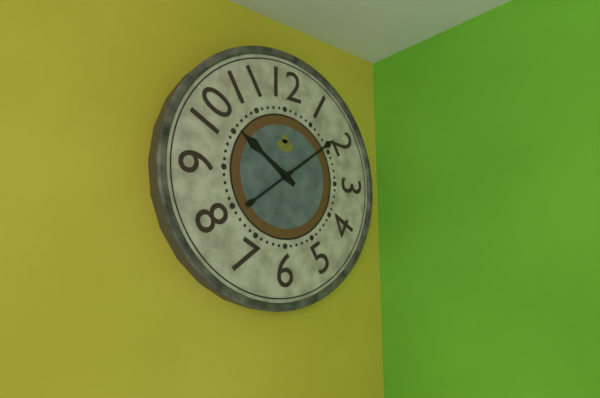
10:09
